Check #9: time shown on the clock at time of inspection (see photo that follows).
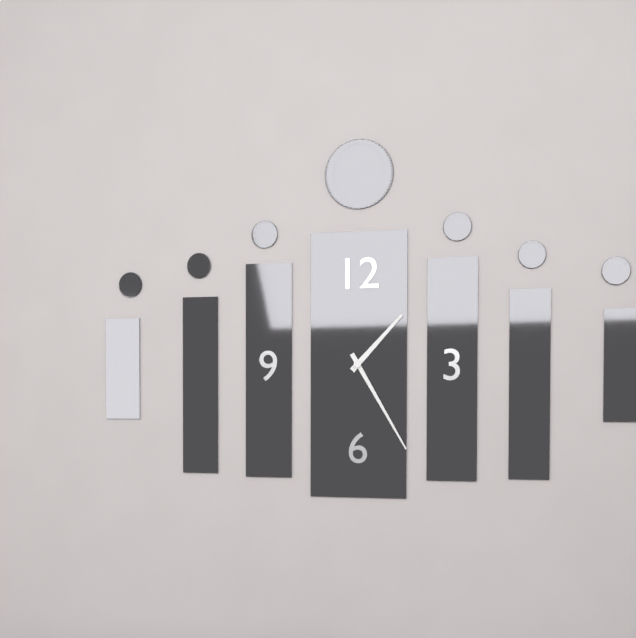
1:25
